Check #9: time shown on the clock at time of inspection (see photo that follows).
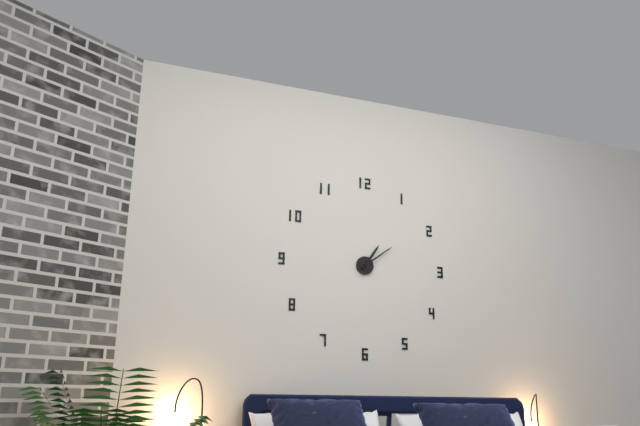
1:09
